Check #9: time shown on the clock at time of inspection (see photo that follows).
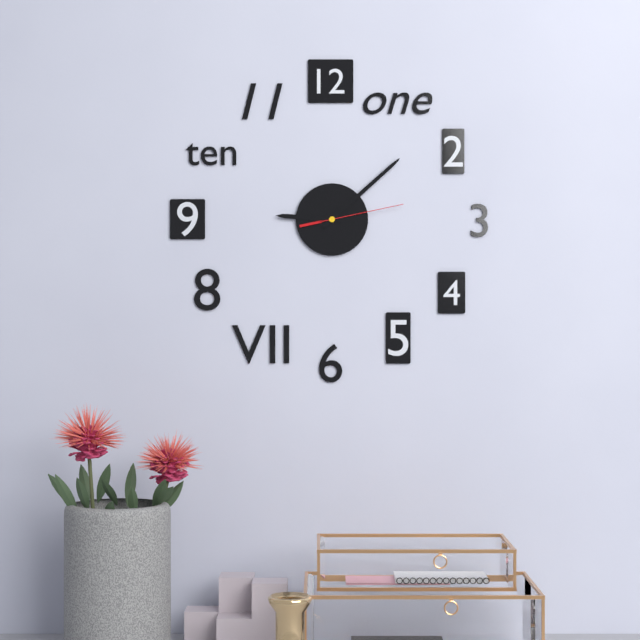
9:08:13
